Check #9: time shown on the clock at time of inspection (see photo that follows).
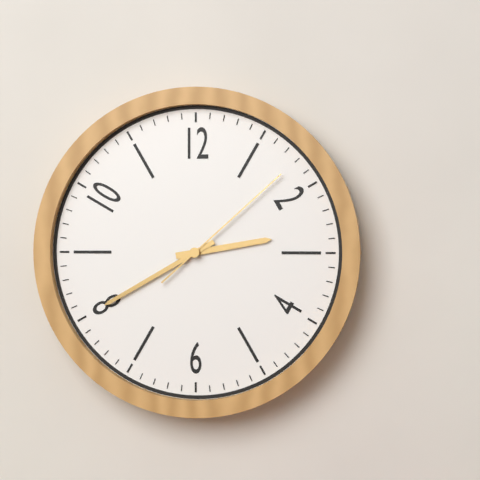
2:40:08
